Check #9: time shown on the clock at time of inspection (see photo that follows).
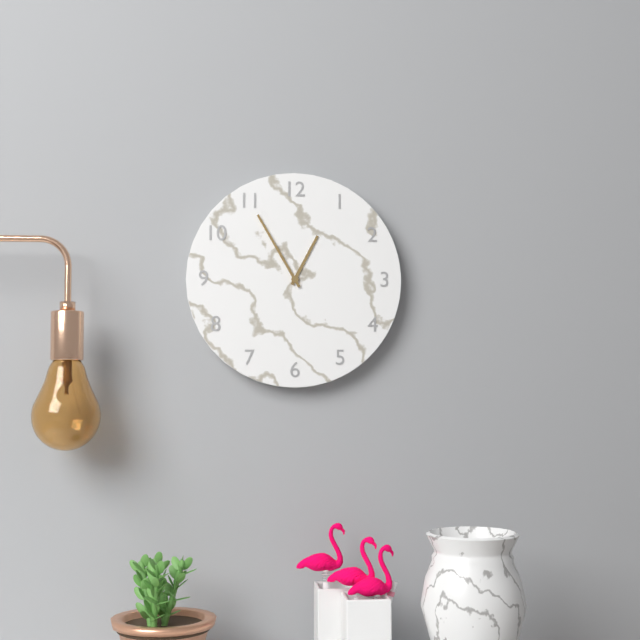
12:55
